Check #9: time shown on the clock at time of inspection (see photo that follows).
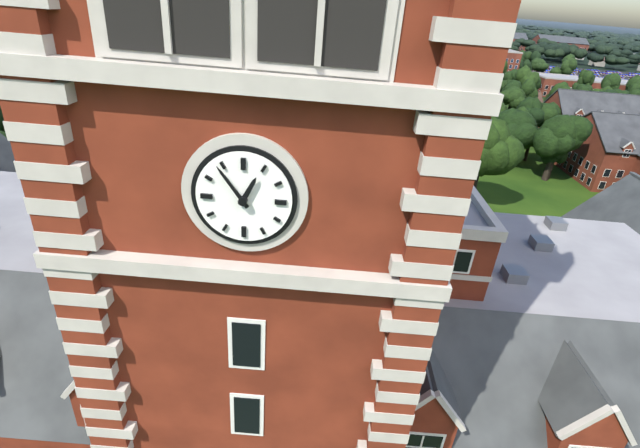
12:54
